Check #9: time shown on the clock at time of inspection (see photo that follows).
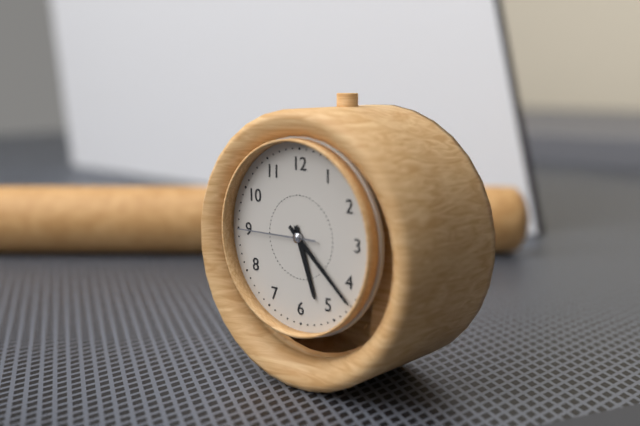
5:22:45
